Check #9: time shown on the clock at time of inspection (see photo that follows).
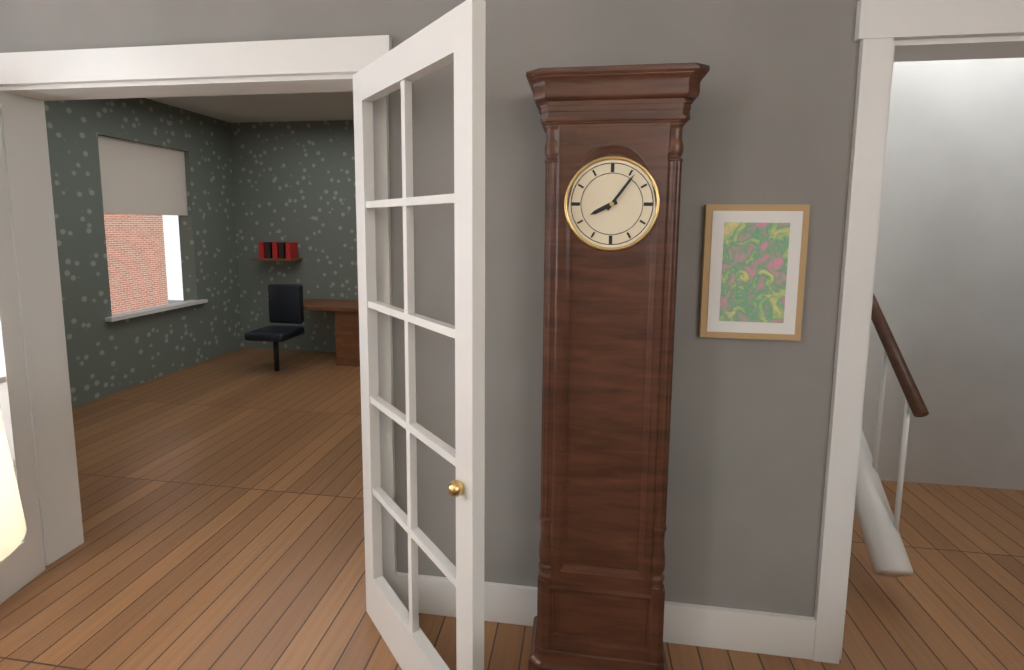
8:06
